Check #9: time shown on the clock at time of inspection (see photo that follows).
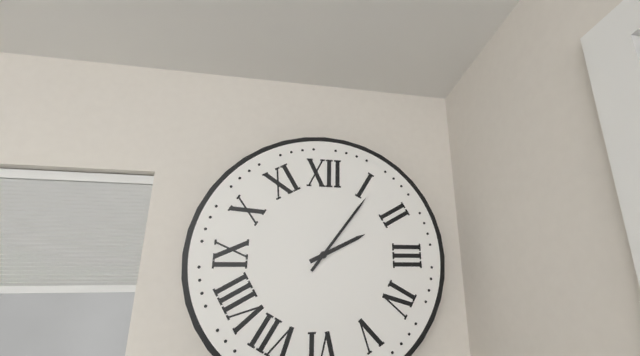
2:06
